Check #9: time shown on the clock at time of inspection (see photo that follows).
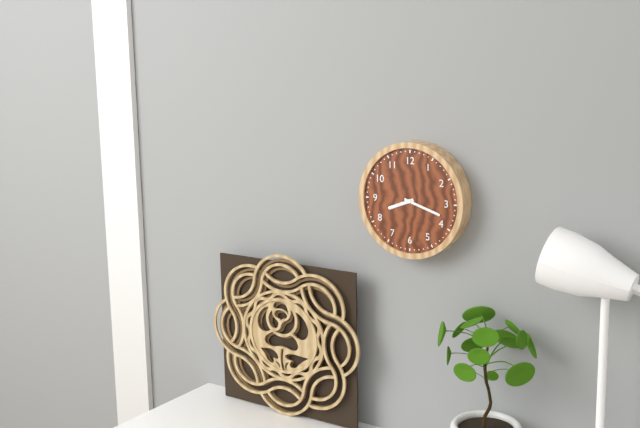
8:18
